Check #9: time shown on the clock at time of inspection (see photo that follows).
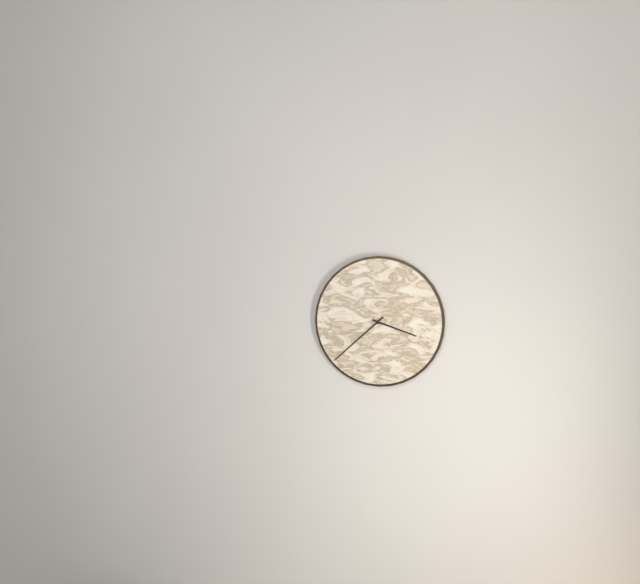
3:38
